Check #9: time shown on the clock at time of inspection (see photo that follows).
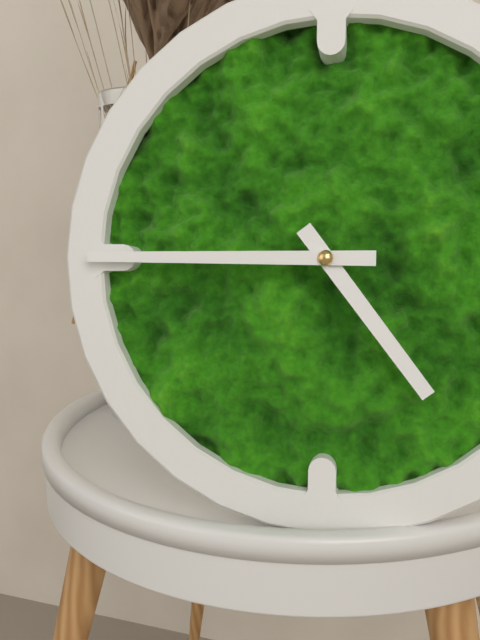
4:45
